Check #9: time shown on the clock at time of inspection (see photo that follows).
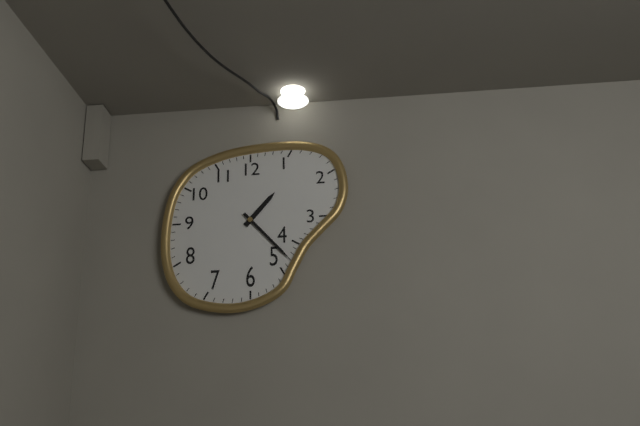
1:23
